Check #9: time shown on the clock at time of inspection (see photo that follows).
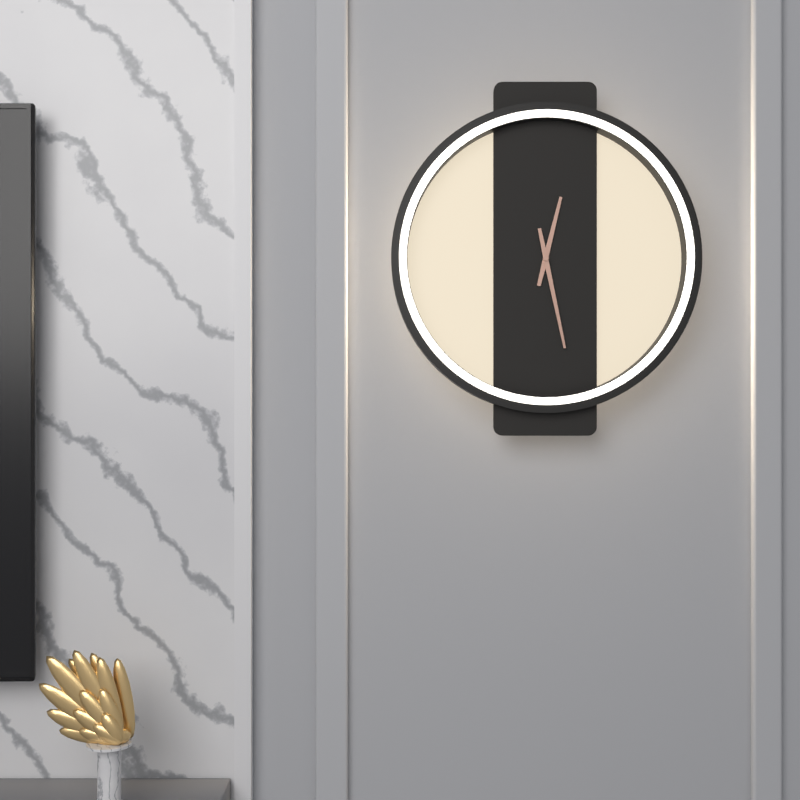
12:28
